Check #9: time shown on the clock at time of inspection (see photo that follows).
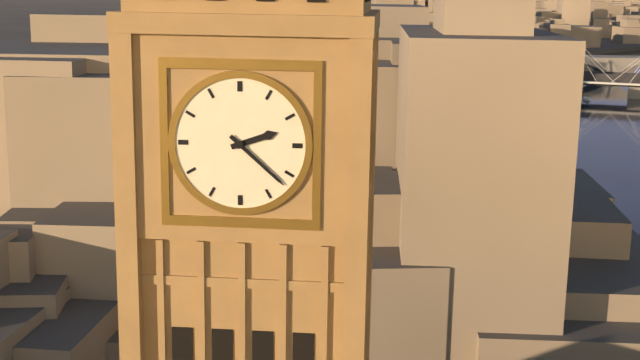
2:22
